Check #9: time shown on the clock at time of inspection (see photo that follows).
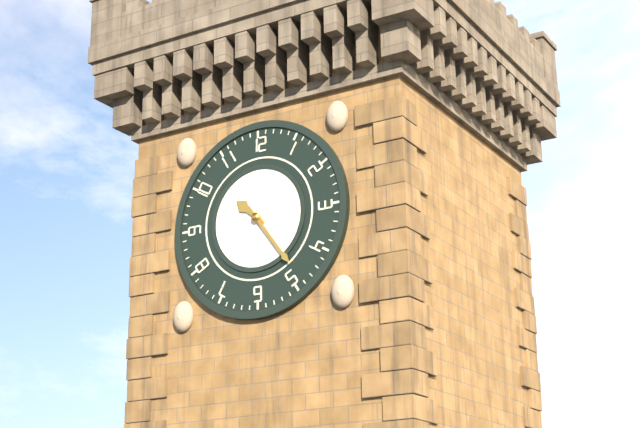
10:24
